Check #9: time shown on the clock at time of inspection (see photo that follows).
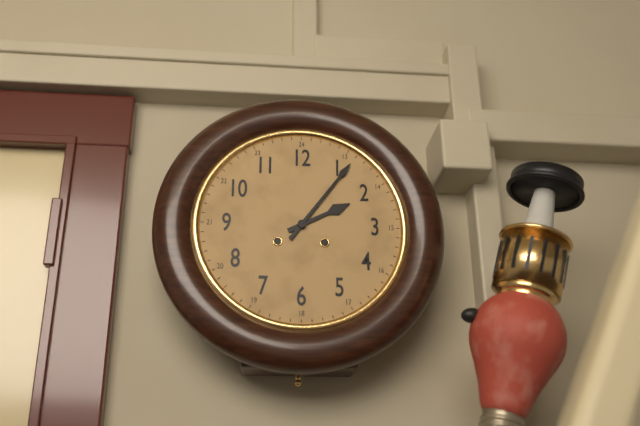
2:06
